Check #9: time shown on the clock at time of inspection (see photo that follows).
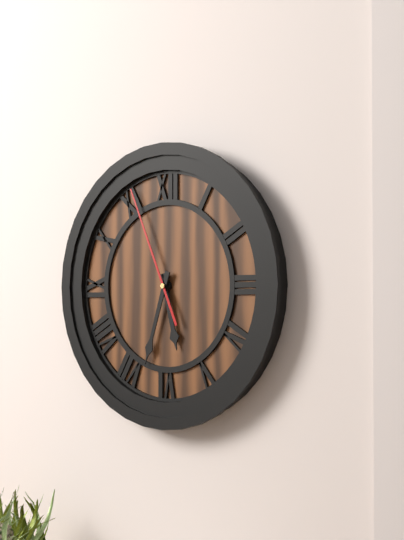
5:33:56
